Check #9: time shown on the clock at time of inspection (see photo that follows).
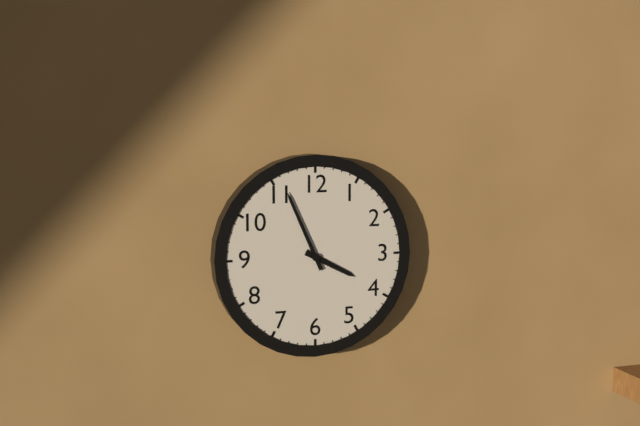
3:56
